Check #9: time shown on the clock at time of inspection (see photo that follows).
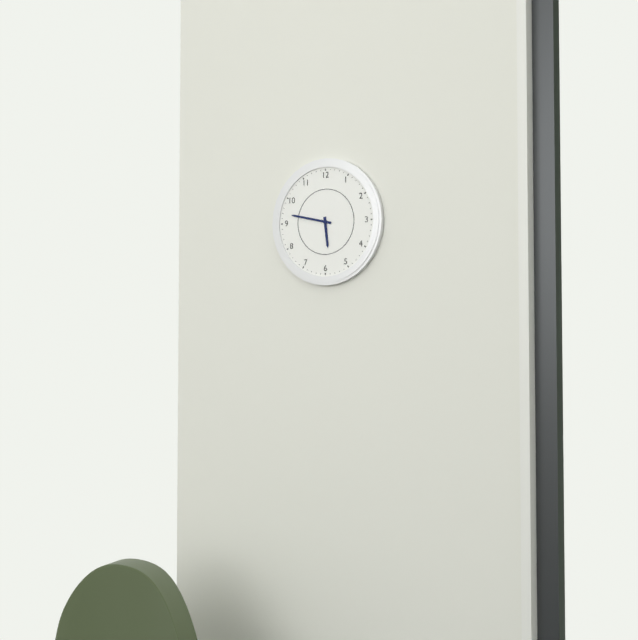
5:47
